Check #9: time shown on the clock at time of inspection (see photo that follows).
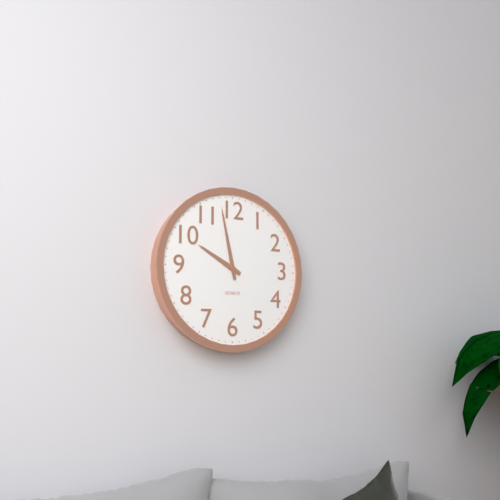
9:58
